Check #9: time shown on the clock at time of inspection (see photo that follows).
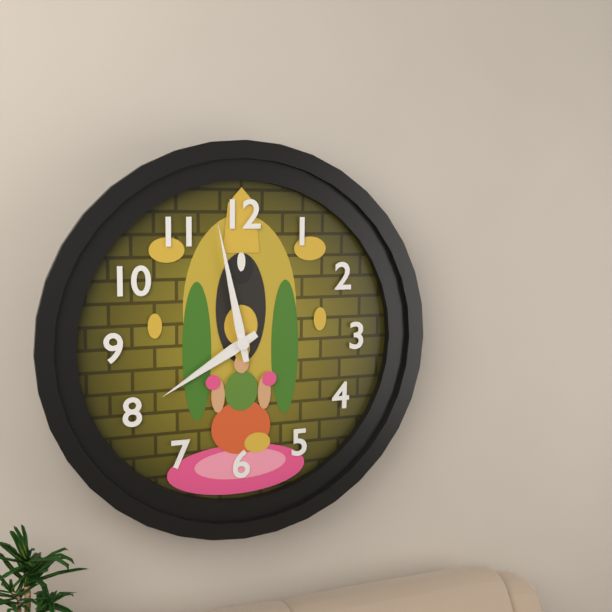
7:58
